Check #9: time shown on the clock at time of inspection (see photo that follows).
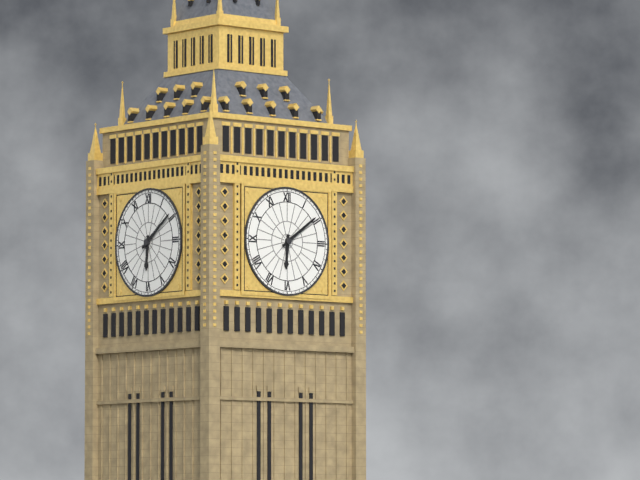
6:09
